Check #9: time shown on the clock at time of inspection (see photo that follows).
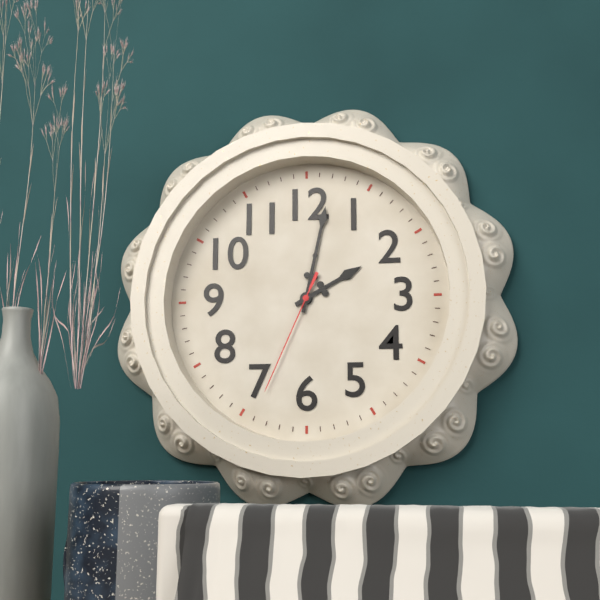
2:02:34
